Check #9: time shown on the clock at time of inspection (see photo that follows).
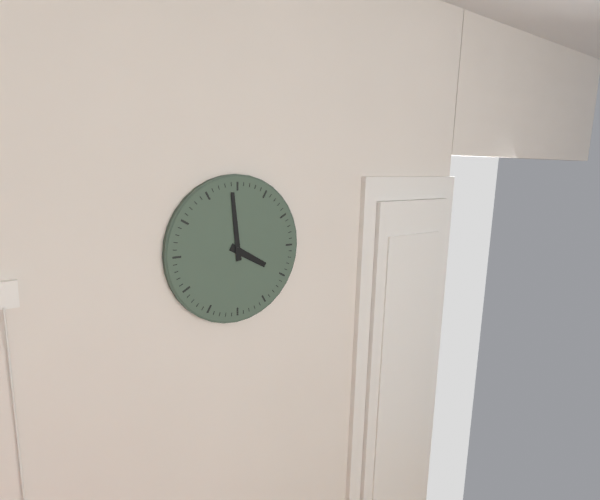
3:59
